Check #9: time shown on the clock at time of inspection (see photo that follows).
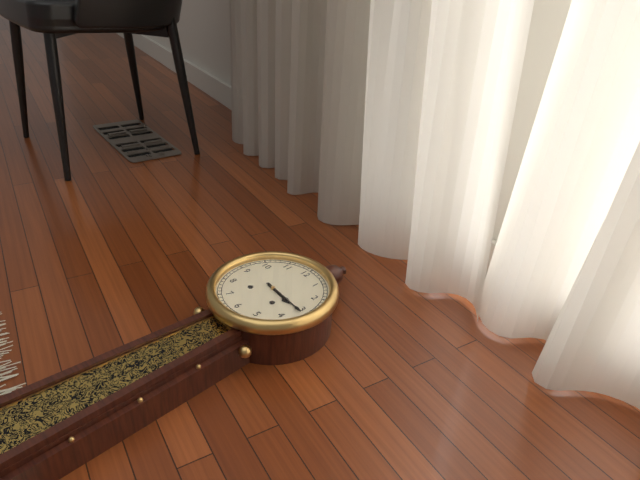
3:16
